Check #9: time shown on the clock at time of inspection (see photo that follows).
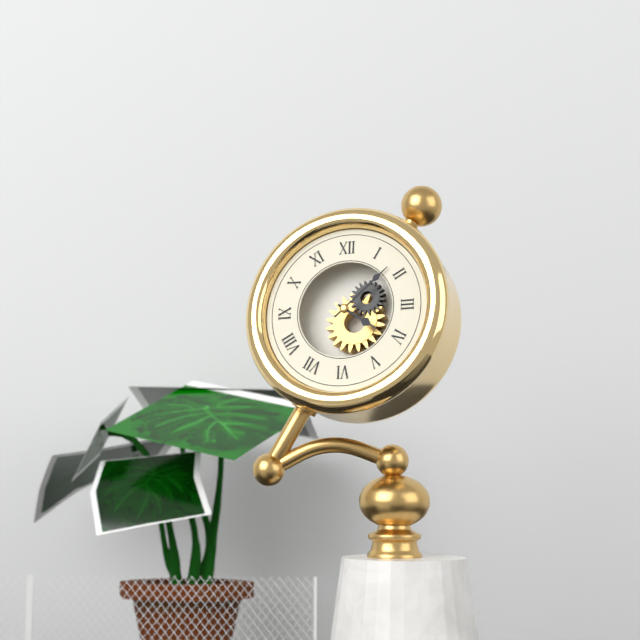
4:08
